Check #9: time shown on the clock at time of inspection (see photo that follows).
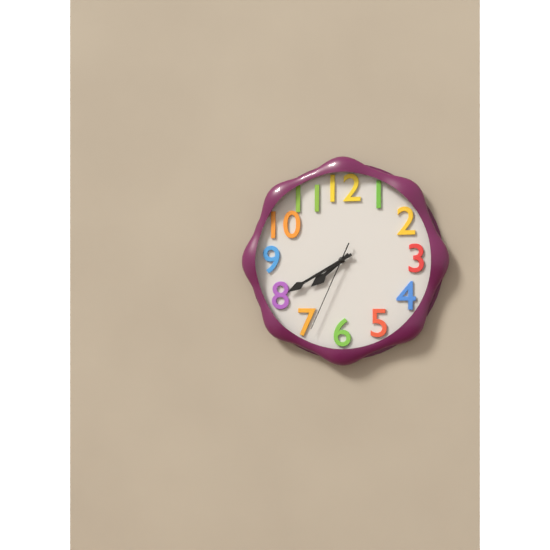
7:40:34
